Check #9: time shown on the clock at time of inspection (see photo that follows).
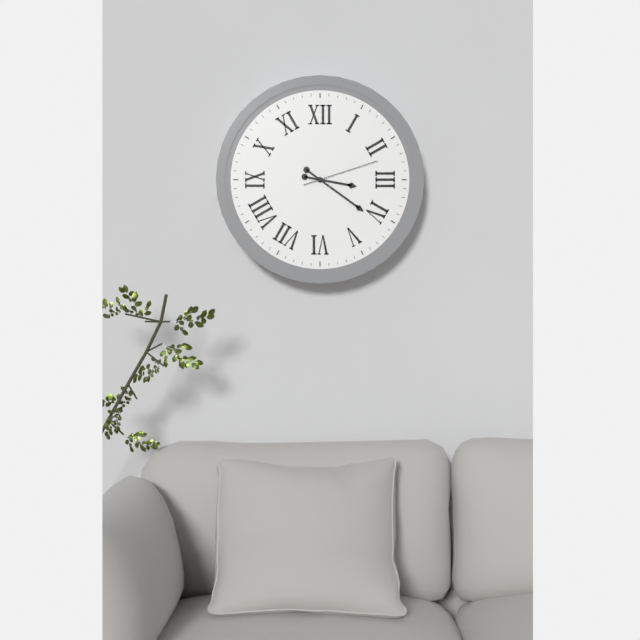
3:21:12
